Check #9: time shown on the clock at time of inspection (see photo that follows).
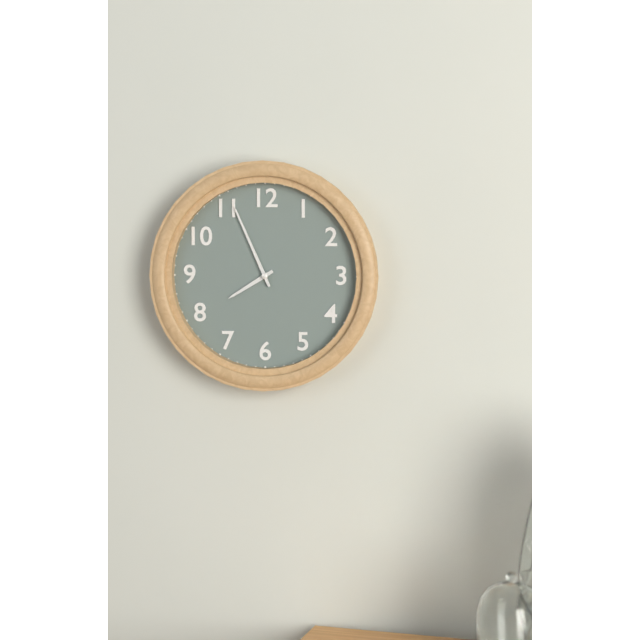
7:56
